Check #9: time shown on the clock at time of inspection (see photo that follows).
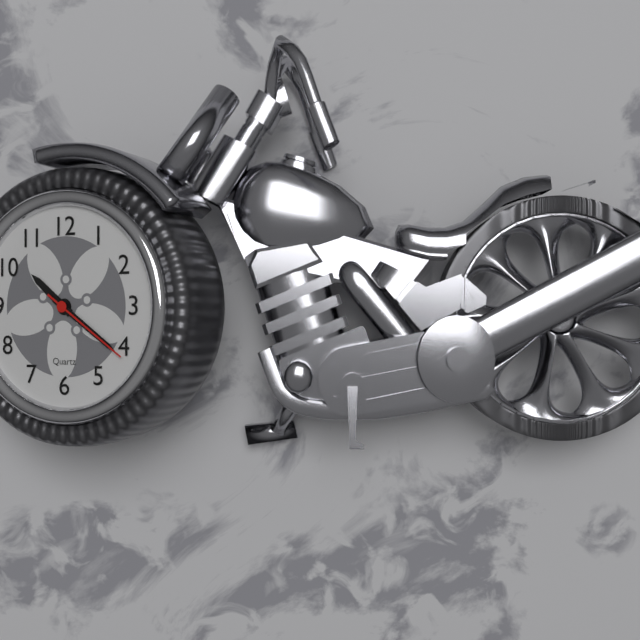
10:21:21
